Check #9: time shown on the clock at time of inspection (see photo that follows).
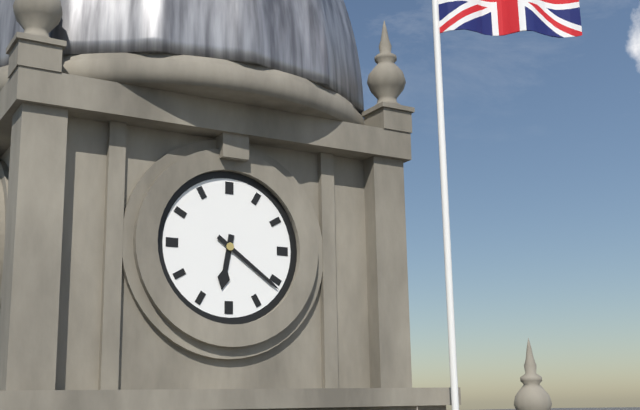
6:21
